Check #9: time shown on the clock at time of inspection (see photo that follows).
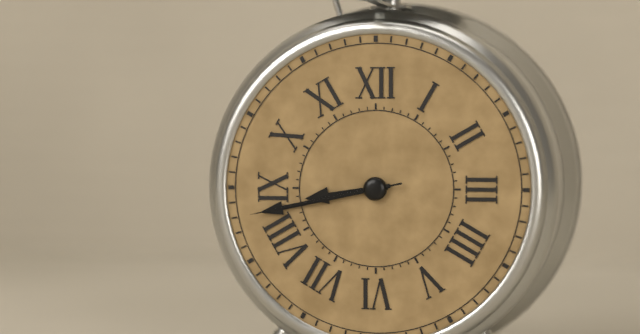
8:43:43
